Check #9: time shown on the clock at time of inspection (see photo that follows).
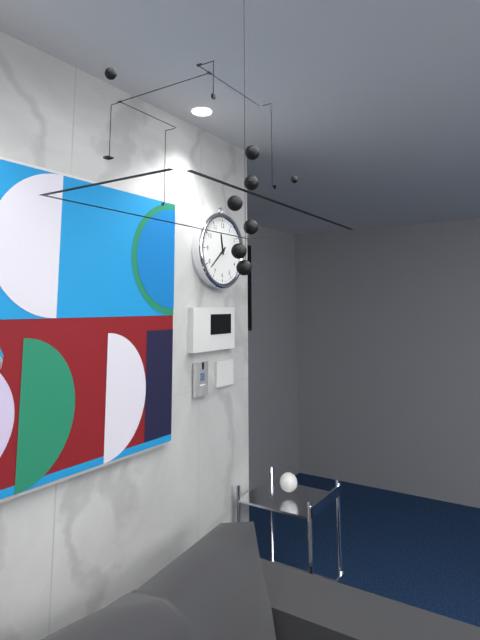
11:38
